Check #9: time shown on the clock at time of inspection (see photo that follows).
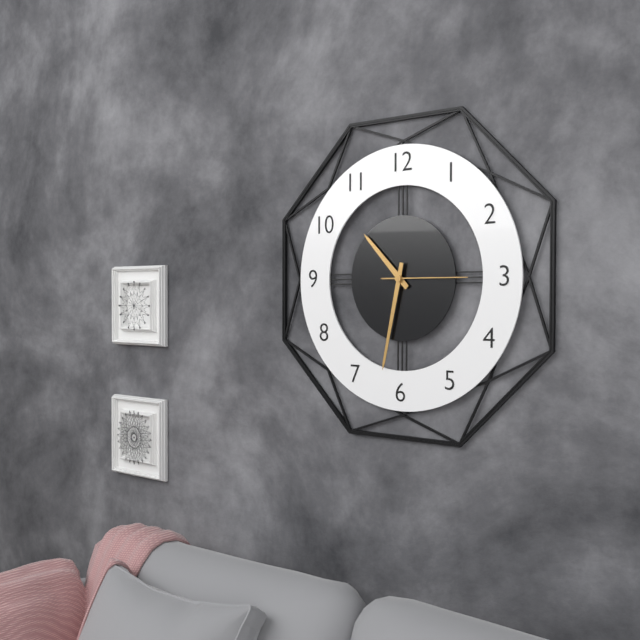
10:32:15
